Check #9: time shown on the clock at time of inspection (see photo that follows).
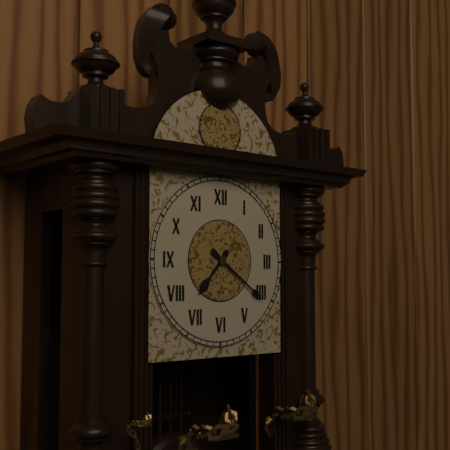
7:21
